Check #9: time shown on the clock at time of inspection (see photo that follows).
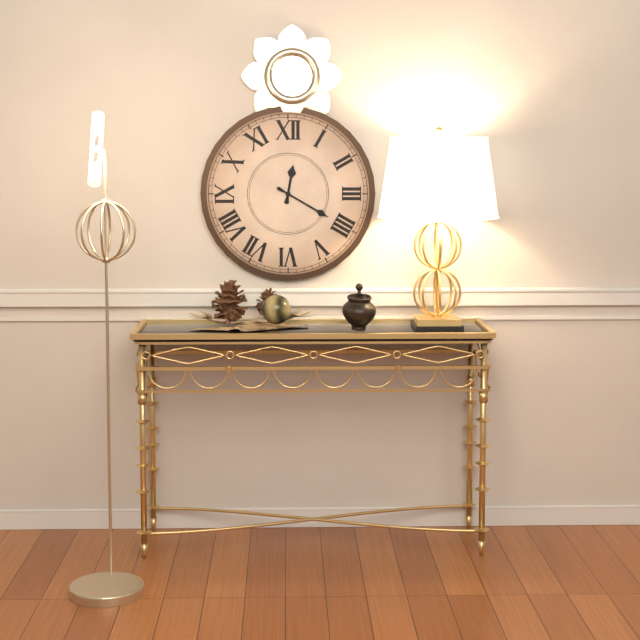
12:20
